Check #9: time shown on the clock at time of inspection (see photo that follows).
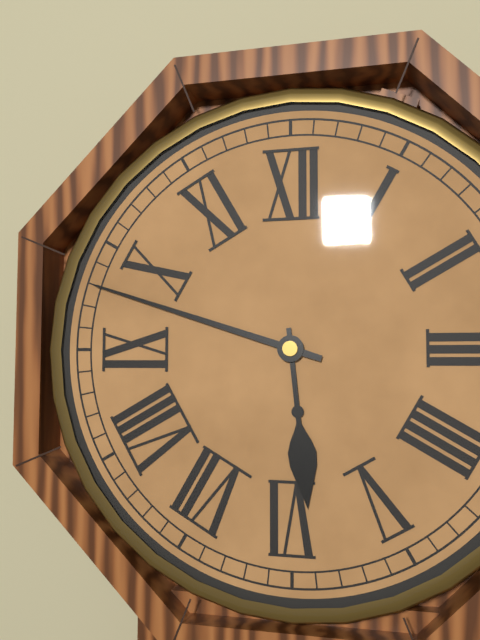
5:48
